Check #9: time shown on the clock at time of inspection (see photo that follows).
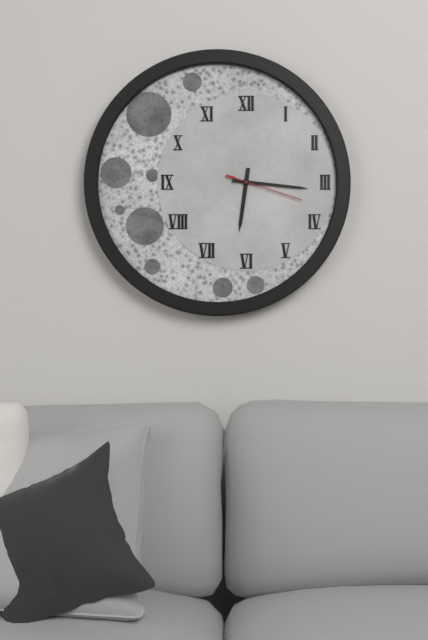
6:16:18
